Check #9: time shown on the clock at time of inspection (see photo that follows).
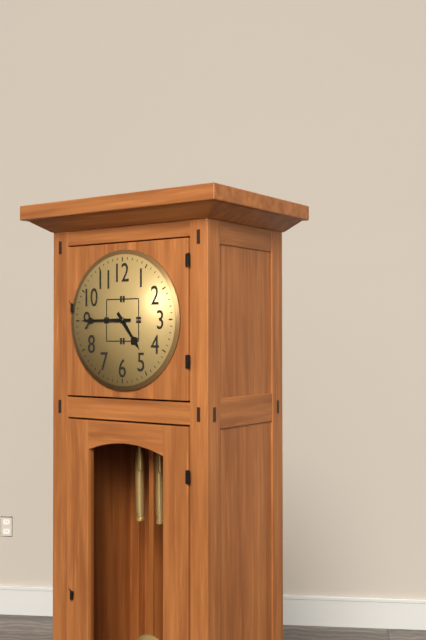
4:45
